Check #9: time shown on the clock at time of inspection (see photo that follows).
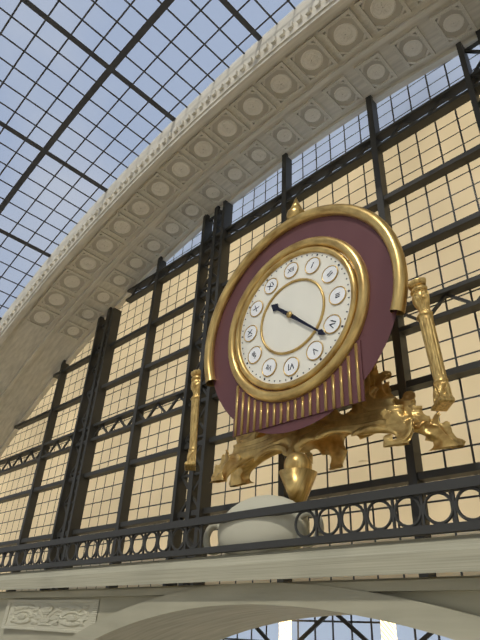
10:22
